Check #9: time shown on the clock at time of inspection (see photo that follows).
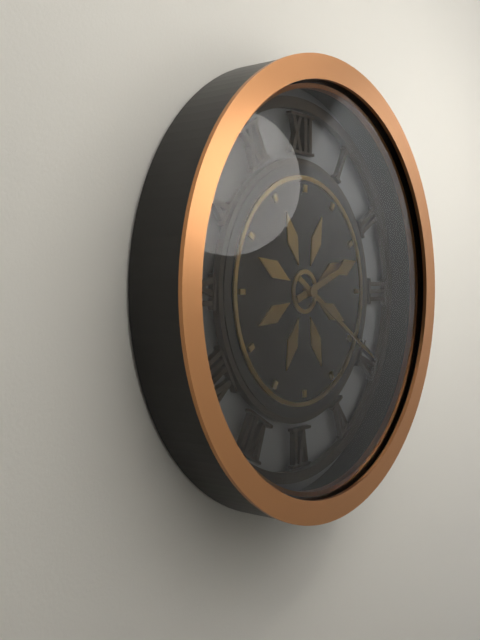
2:20
